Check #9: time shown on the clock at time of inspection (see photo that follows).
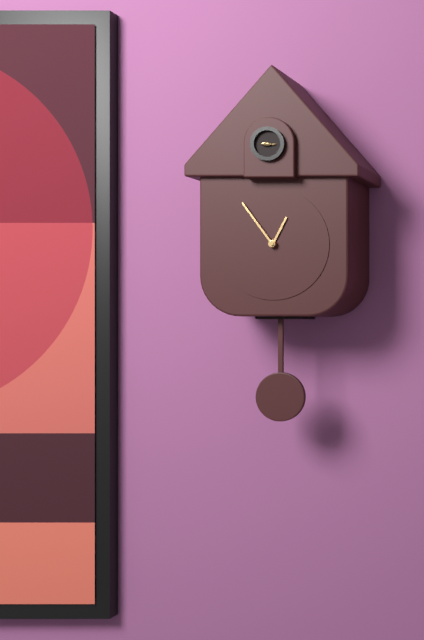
12:54
